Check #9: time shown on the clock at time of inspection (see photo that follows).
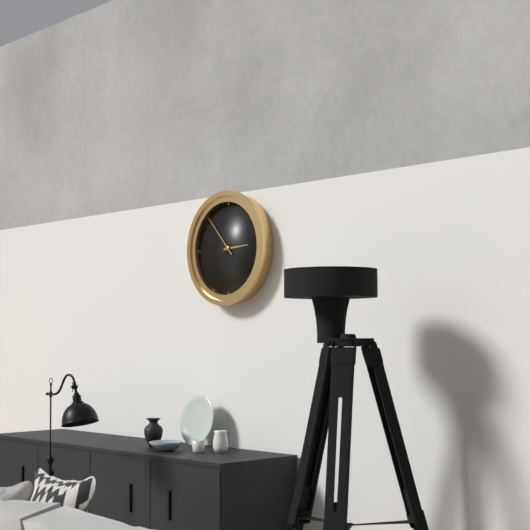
2:53
